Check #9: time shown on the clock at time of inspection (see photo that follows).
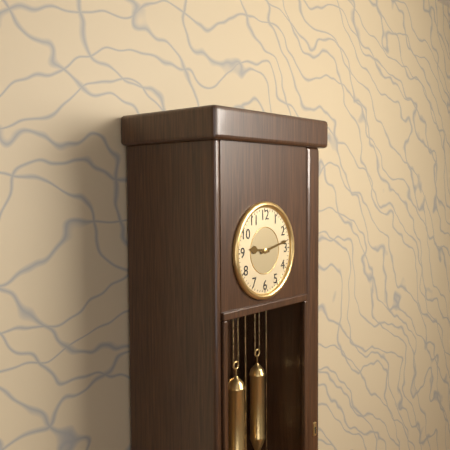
9:13
